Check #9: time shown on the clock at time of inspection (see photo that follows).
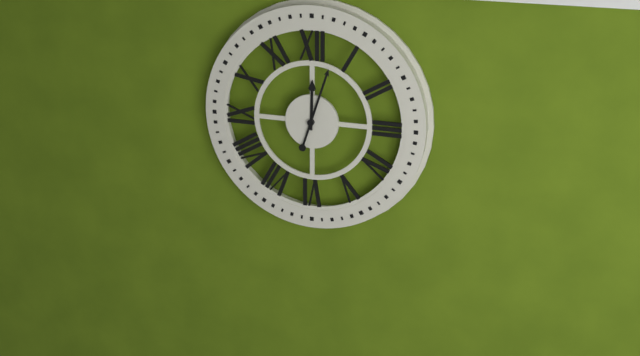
12:03
